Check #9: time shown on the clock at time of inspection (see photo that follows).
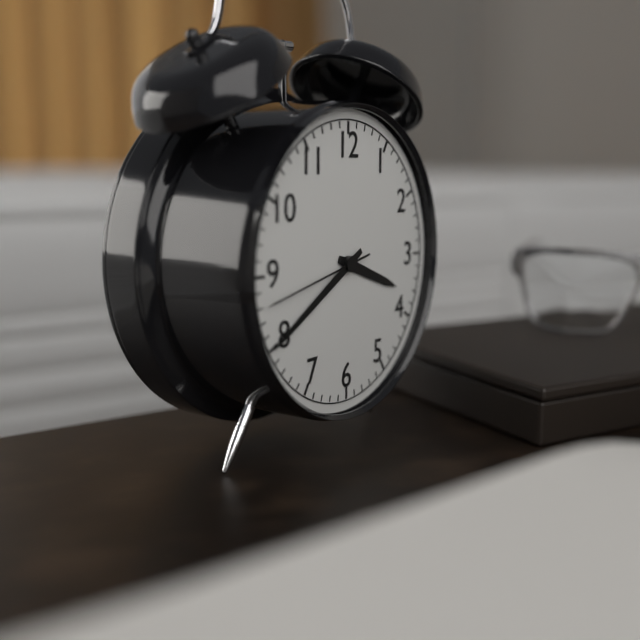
3:40:43
